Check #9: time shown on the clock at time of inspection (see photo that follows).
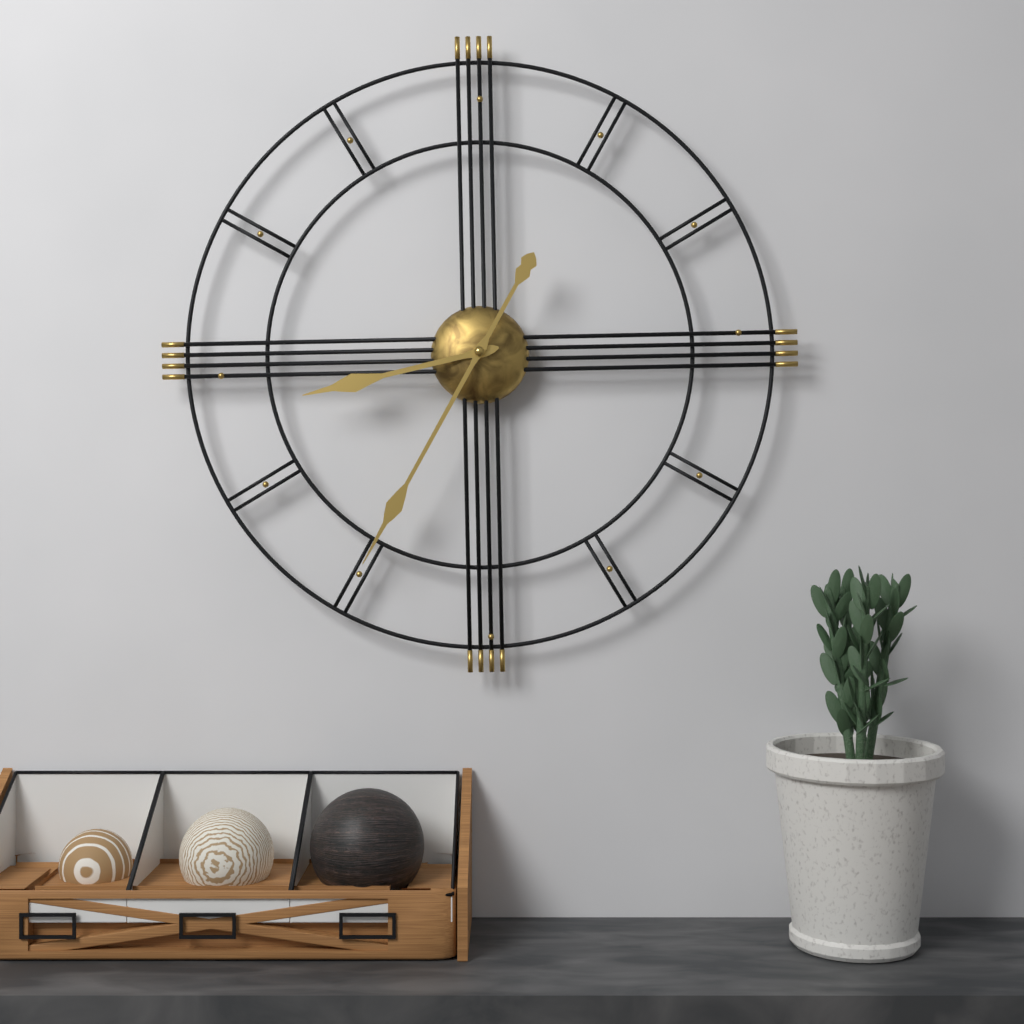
8:35
